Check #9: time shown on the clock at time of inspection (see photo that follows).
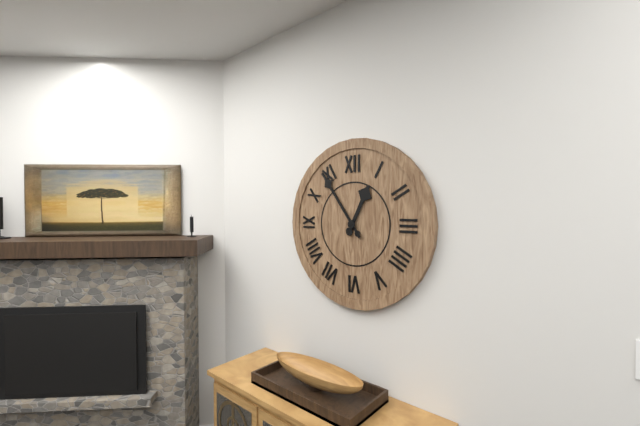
12:54
